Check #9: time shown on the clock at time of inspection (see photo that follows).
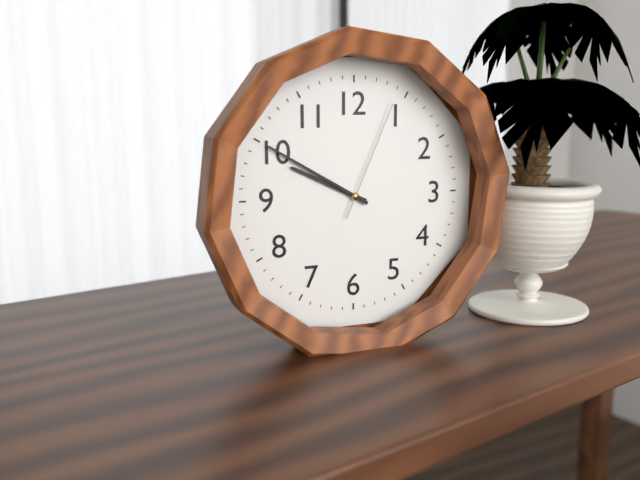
9:50:04
